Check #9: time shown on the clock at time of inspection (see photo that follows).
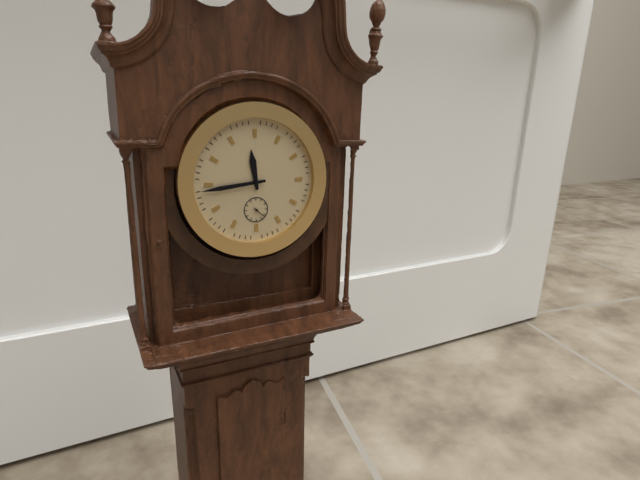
11:44
